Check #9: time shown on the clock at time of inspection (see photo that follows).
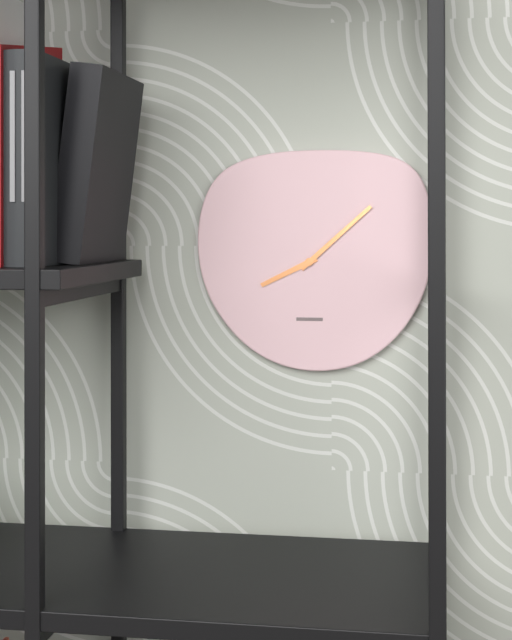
8:08
